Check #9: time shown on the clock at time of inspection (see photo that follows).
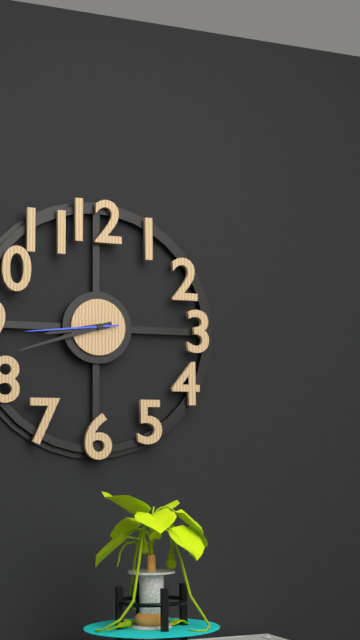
8:42:44
